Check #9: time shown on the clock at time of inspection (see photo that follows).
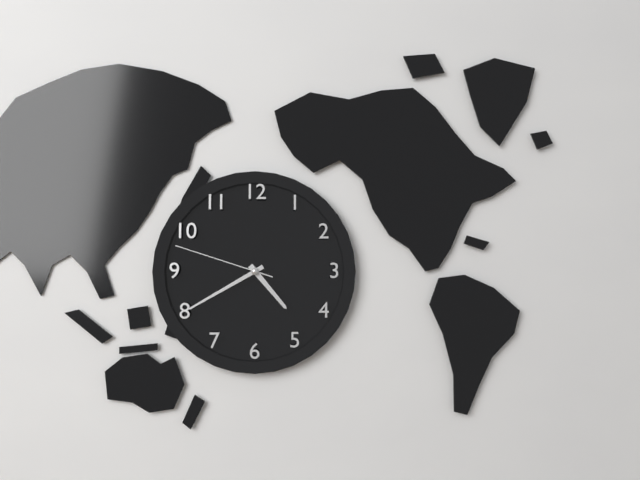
4:40:48
